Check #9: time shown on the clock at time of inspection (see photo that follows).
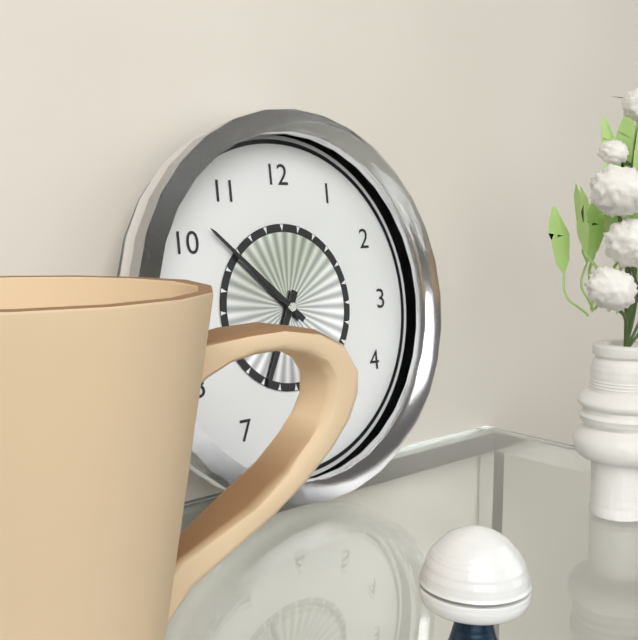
6:52
